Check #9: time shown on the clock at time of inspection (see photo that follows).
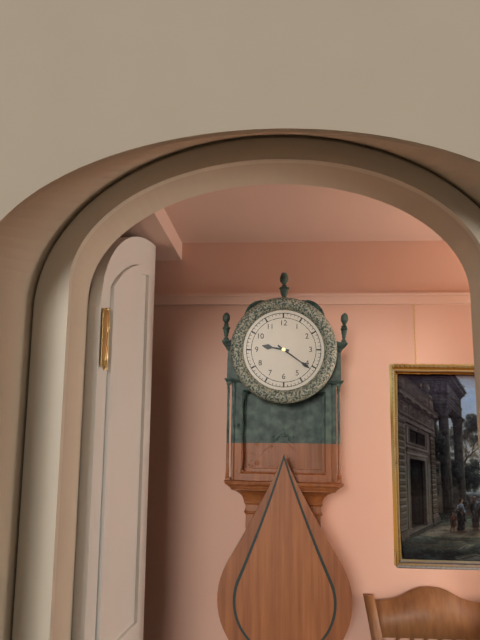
9:21
